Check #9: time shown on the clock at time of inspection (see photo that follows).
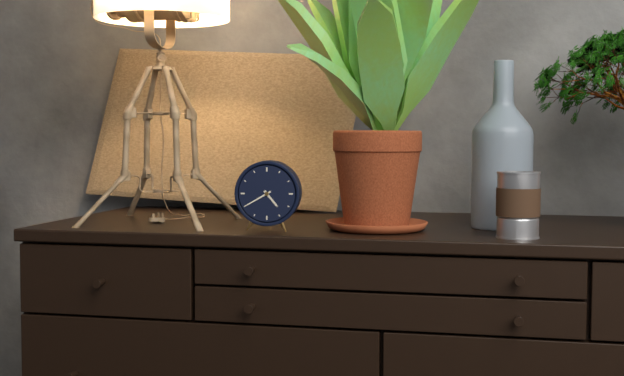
4:40
